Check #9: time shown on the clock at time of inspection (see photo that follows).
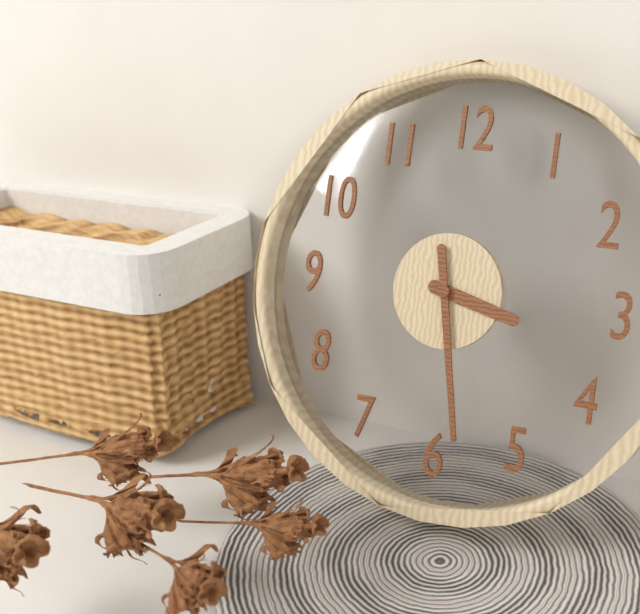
3:28
